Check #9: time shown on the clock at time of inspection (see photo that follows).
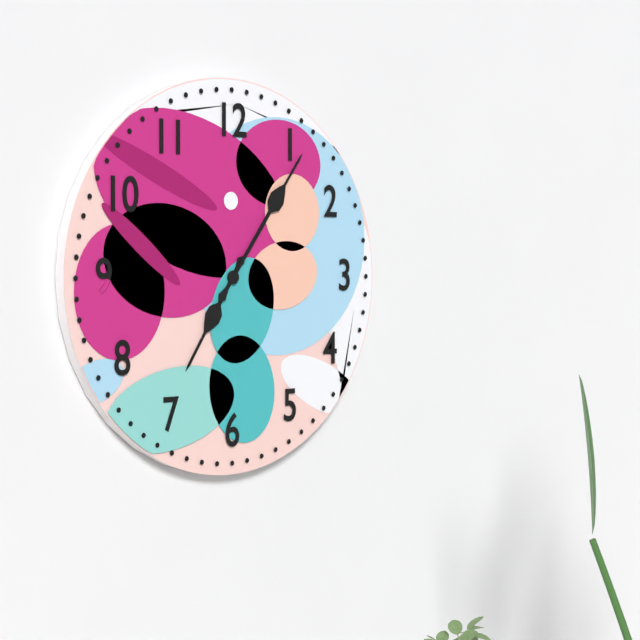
7:06
